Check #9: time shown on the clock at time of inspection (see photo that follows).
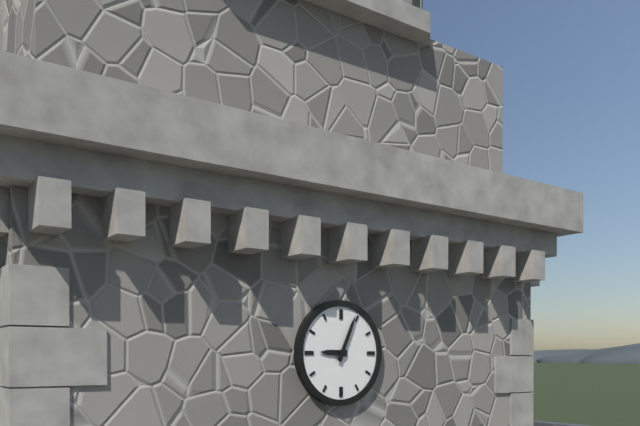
9:04
